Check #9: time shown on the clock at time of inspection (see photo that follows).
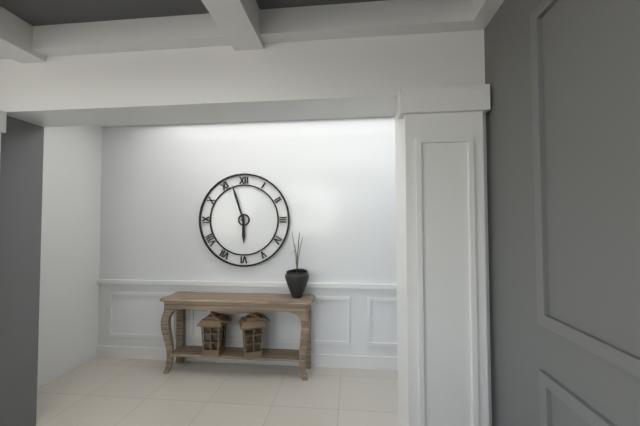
5:57
